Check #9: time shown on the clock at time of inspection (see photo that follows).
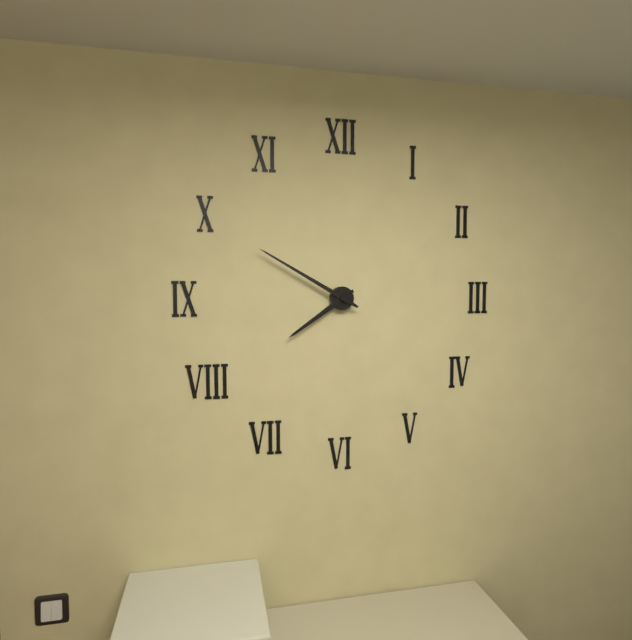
7:50
